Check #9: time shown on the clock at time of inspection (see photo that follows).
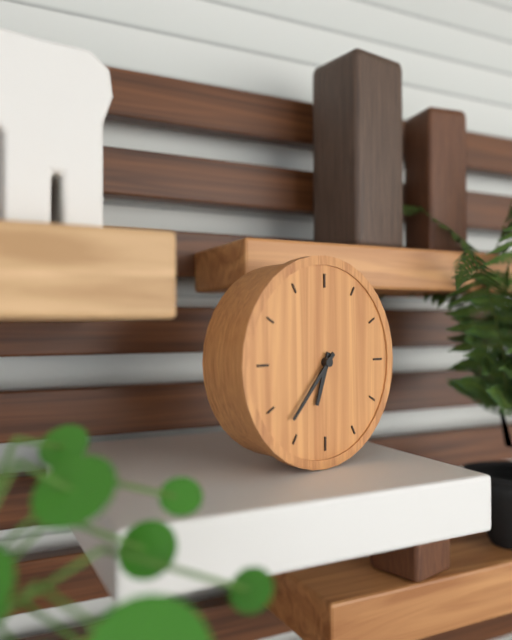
6:37
